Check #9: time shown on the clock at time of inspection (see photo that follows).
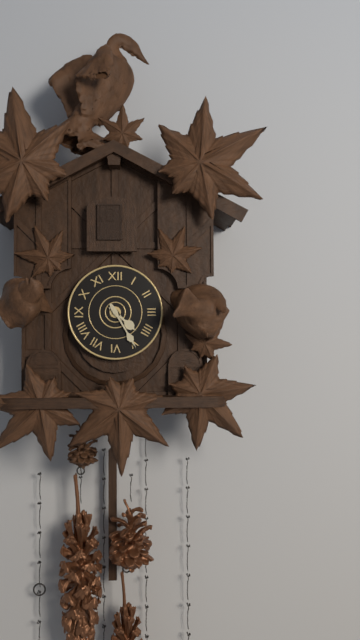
4:25
